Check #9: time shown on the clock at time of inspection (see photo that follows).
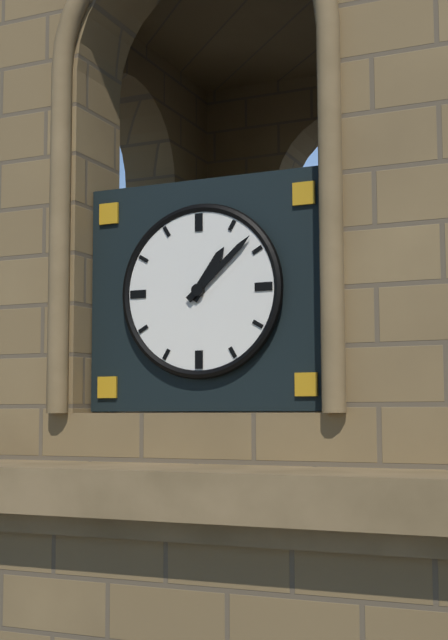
1:08
